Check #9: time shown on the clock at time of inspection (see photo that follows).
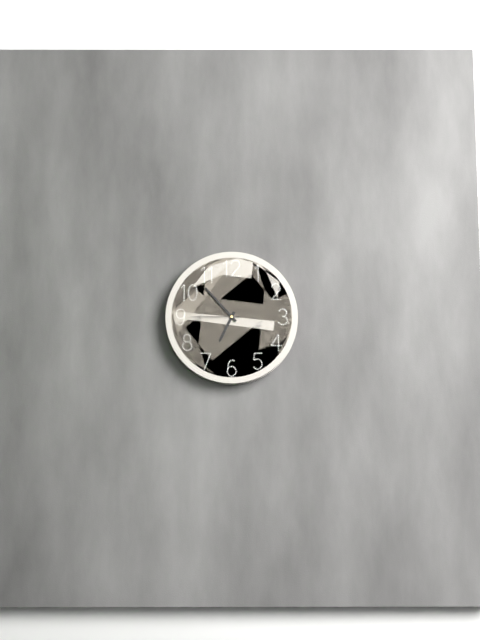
6:53:45
